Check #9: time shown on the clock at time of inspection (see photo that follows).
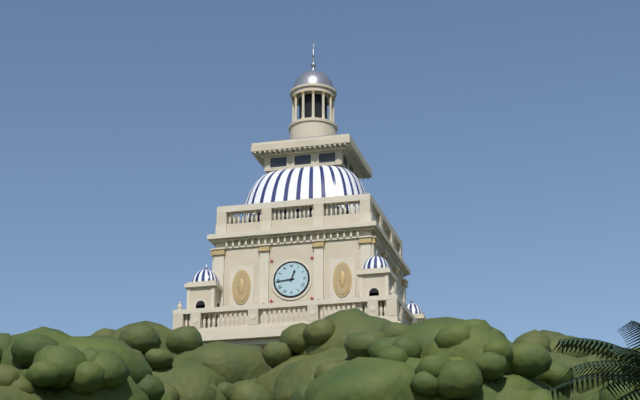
12:44
